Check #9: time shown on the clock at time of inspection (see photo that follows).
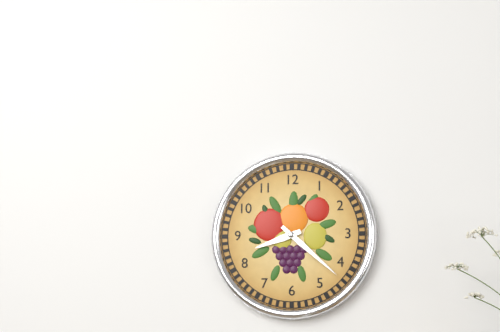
8:22
